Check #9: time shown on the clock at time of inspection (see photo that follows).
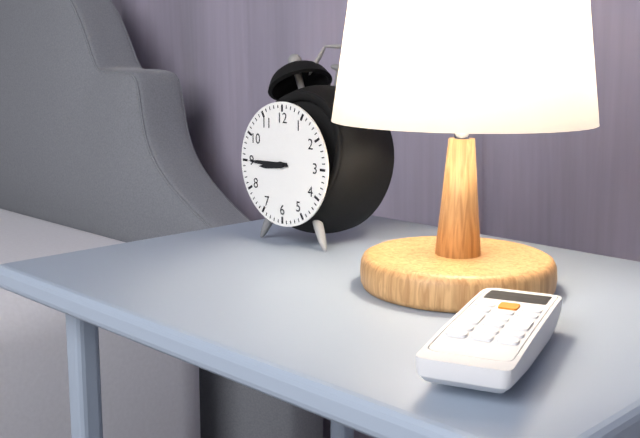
8:45
